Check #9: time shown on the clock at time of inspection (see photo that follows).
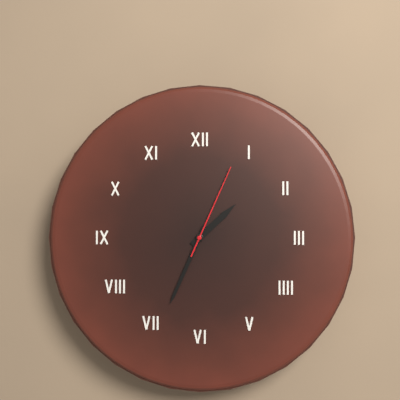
1:34:04
